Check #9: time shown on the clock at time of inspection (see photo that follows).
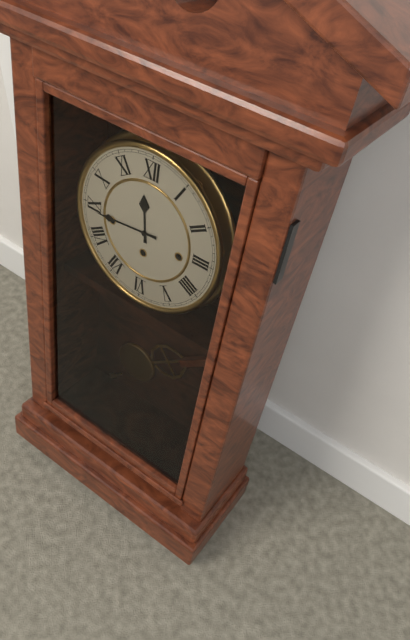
11:44
